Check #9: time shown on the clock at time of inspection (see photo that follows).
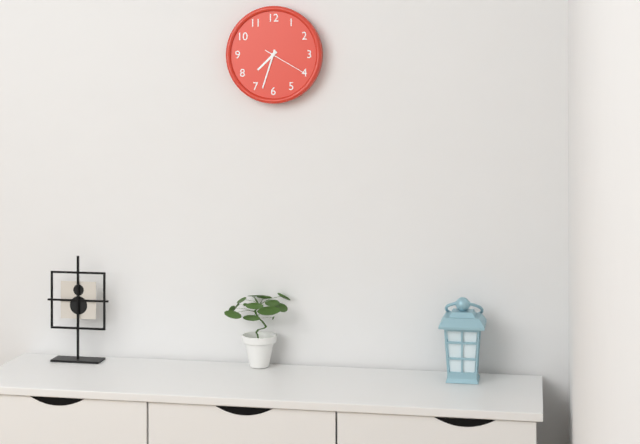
7:33
